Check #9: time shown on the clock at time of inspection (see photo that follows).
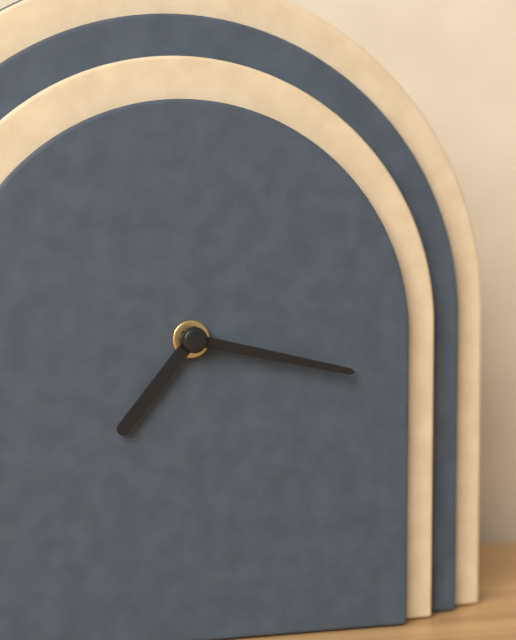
7:17
